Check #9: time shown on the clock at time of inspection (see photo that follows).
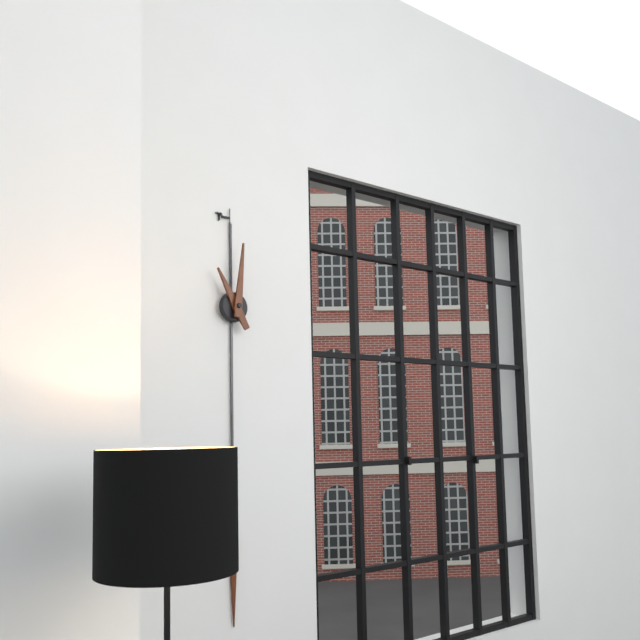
11:01
